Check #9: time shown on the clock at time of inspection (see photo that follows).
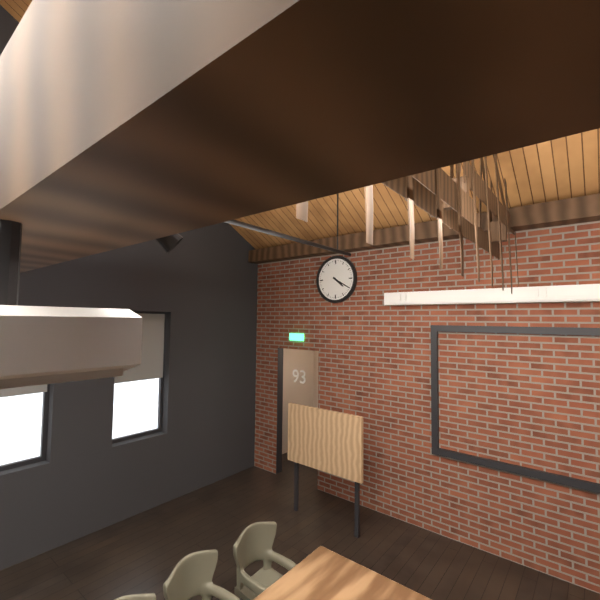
4:20
